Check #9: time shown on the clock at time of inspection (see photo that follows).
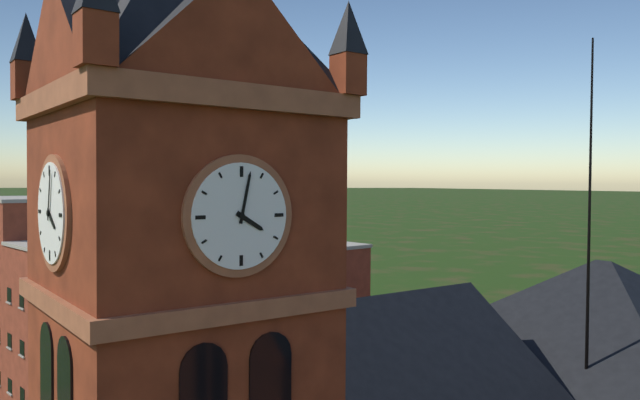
4:02
